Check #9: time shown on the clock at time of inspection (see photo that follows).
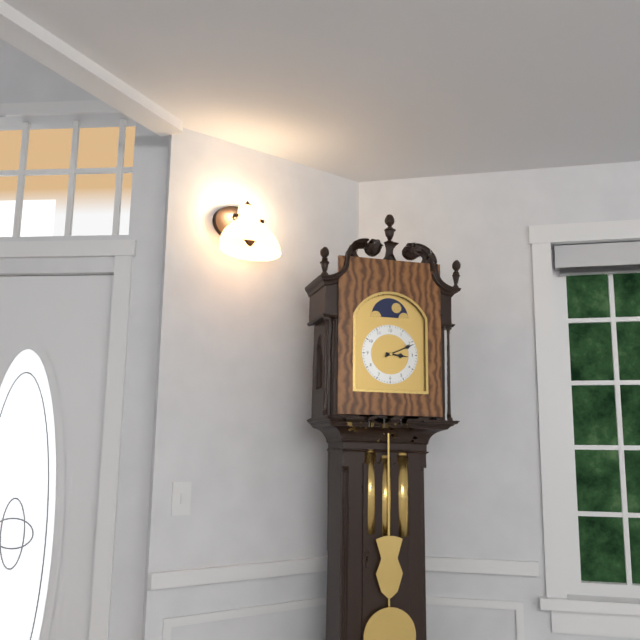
3:11
